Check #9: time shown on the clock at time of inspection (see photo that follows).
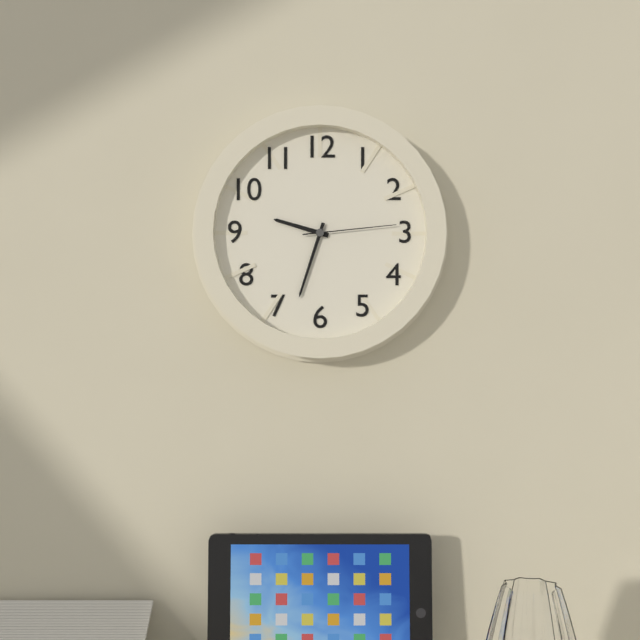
9:33:14
